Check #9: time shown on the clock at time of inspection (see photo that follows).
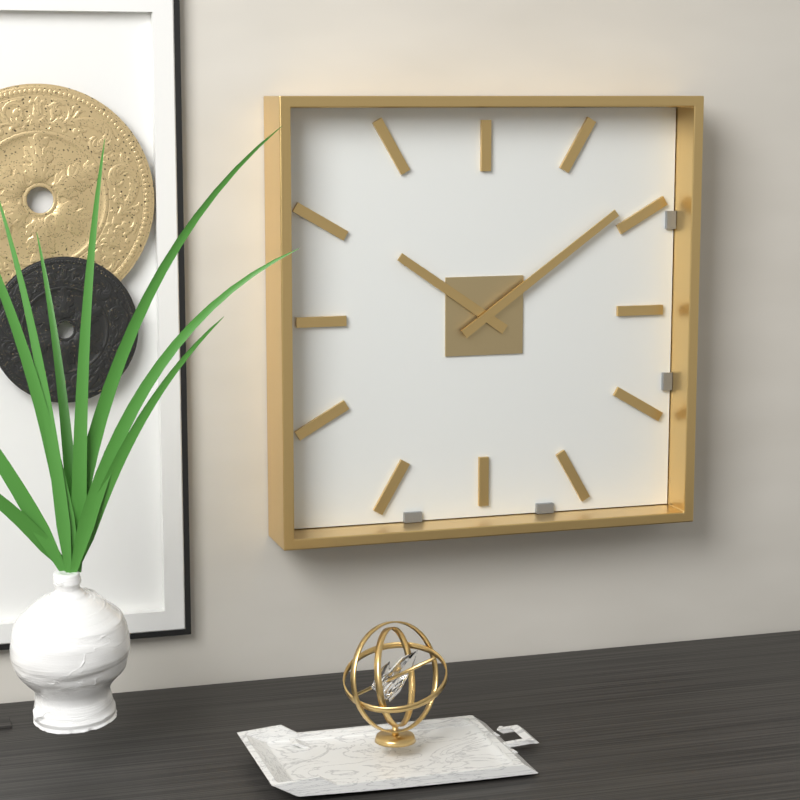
10:09
